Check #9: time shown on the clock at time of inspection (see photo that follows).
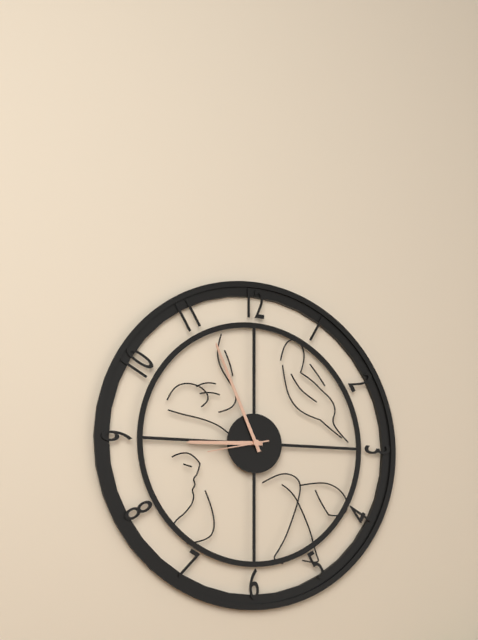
8:56:43
